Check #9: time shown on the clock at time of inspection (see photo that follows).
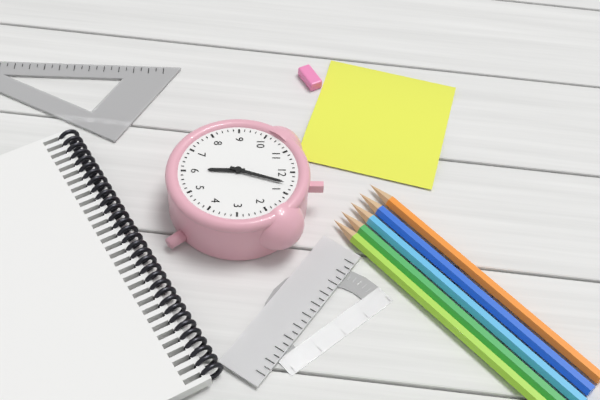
6:03
